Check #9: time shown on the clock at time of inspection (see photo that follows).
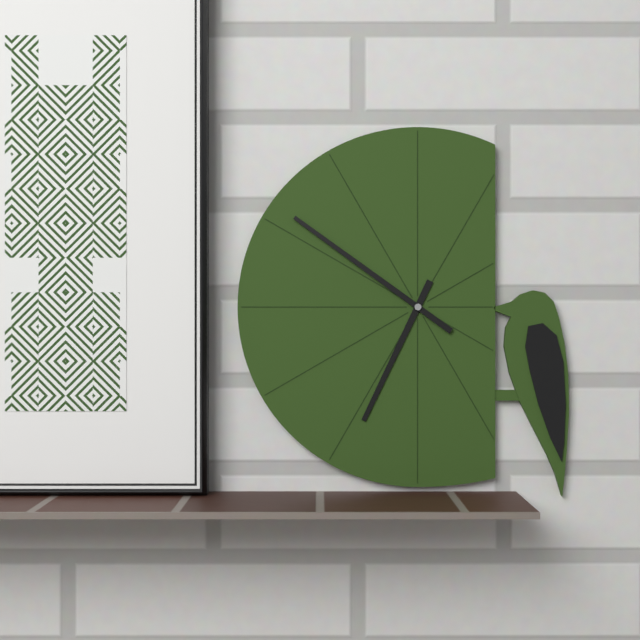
6:51
